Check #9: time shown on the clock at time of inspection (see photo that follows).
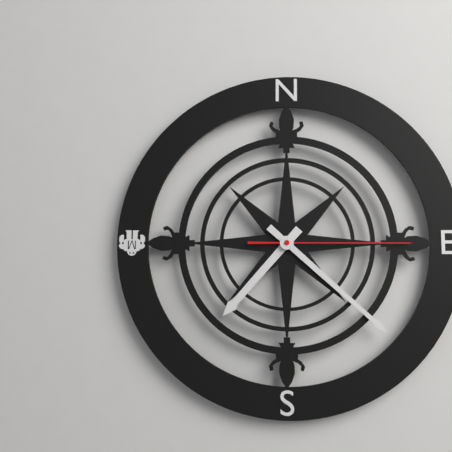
7:22:15
